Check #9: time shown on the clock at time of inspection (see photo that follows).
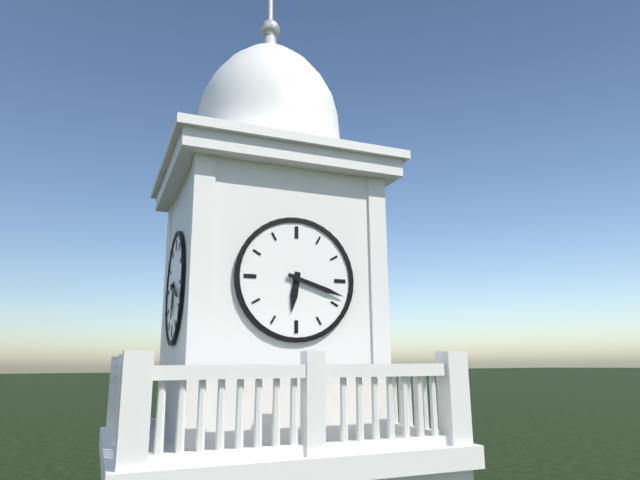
6:18
